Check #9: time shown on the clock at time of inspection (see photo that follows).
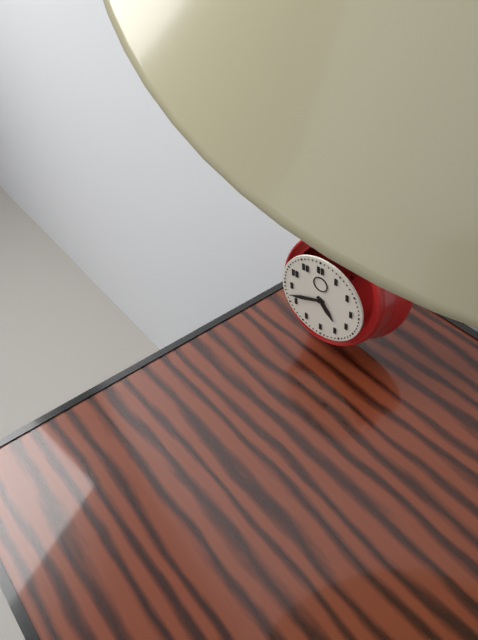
4:42
